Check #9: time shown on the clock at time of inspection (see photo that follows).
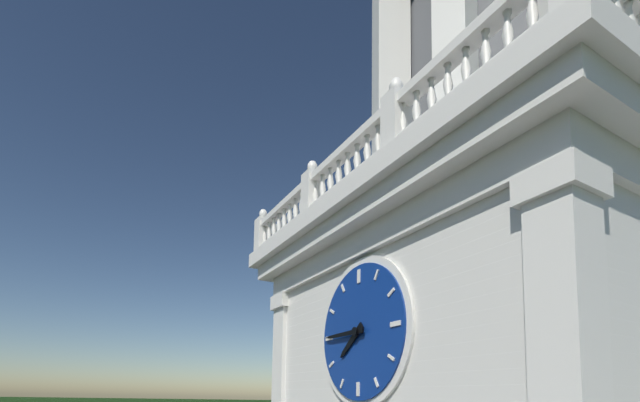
7:45
